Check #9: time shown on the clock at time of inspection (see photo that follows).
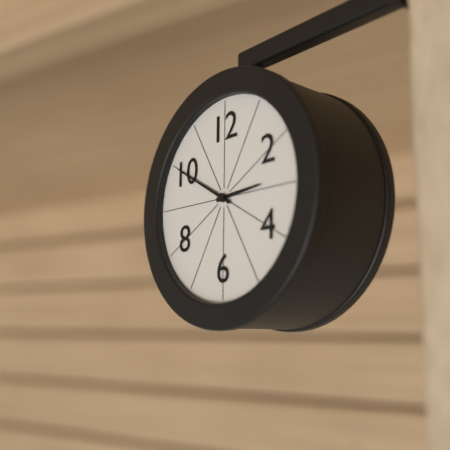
2:50
